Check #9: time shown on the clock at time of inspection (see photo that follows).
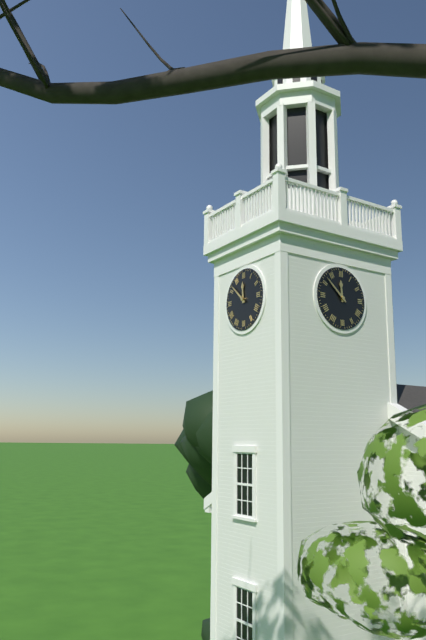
11:52
